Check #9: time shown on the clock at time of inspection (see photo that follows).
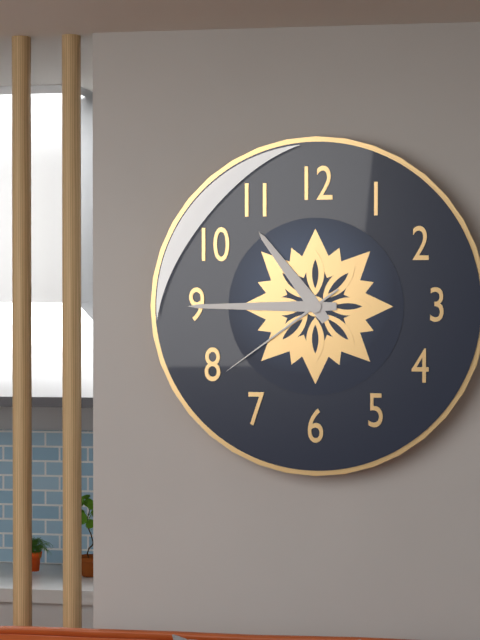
10:45:39
